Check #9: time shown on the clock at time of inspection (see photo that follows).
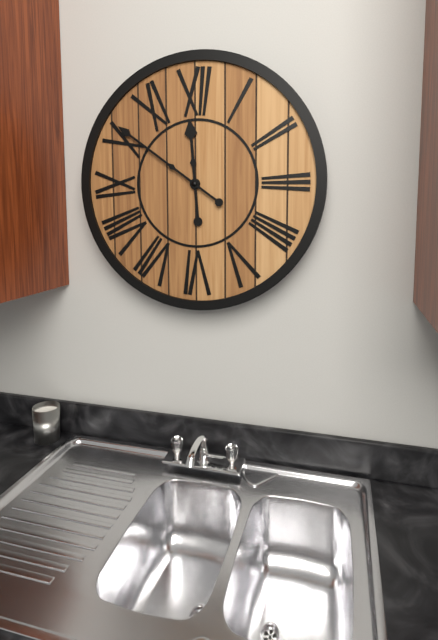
11:51
